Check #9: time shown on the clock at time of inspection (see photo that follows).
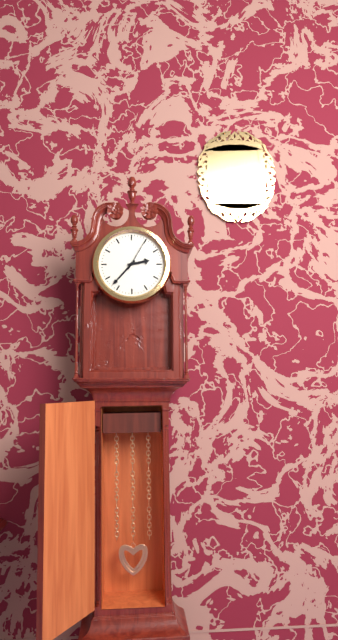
2:37
